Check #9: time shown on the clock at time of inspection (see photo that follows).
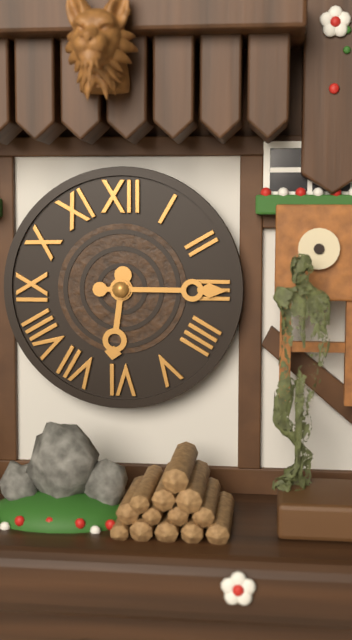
6:15
